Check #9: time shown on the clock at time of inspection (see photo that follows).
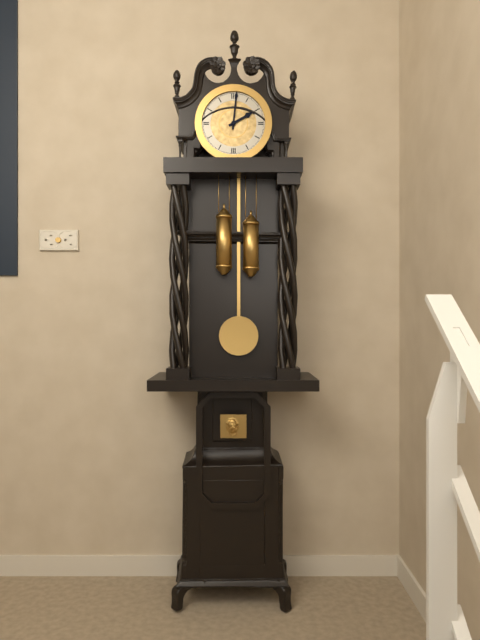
2:01
